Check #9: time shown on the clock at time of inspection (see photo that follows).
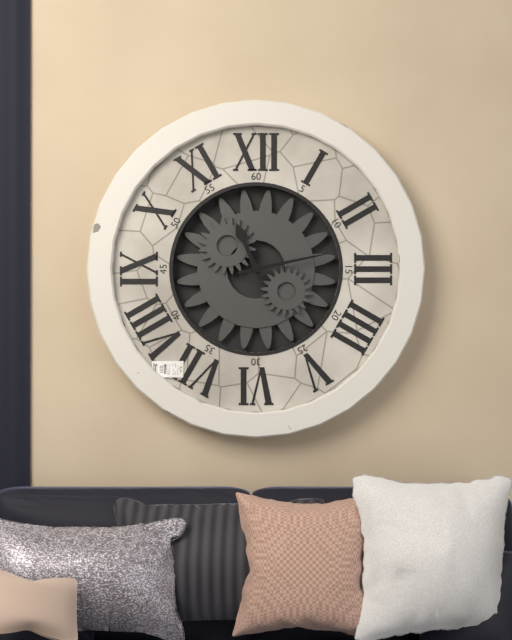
11:13
